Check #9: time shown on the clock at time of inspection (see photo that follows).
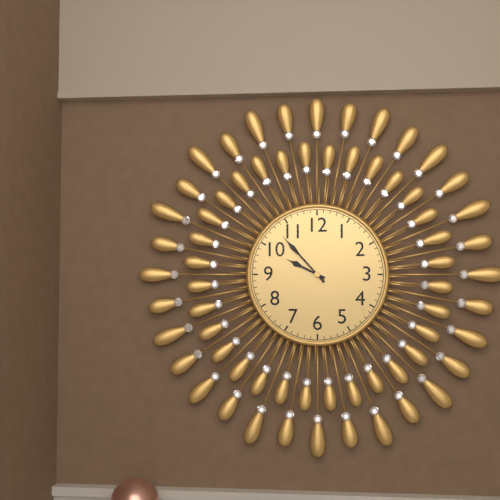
9:53
